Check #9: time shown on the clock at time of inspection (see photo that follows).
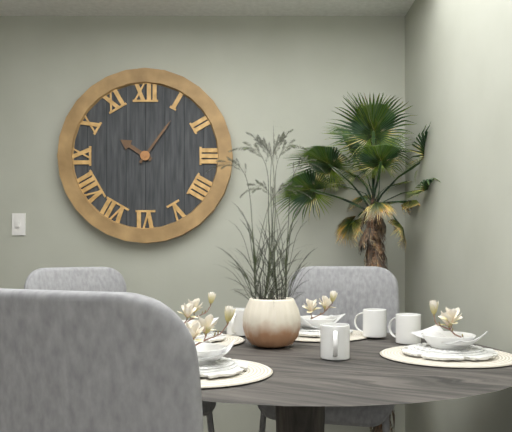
10:06
